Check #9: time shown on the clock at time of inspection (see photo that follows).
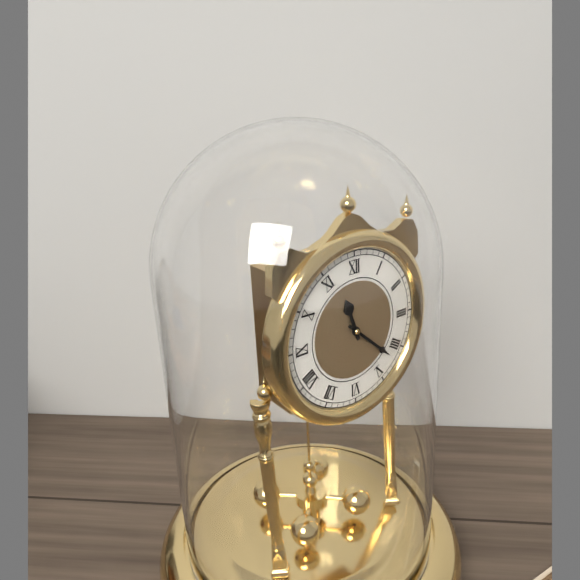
11:22
